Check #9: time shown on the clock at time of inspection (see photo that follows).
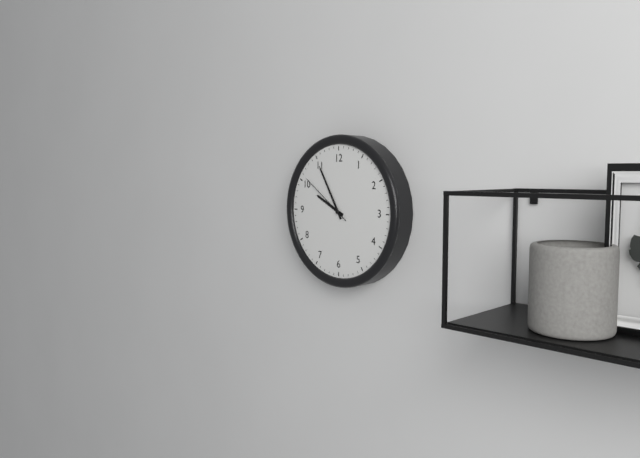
9:55:51
